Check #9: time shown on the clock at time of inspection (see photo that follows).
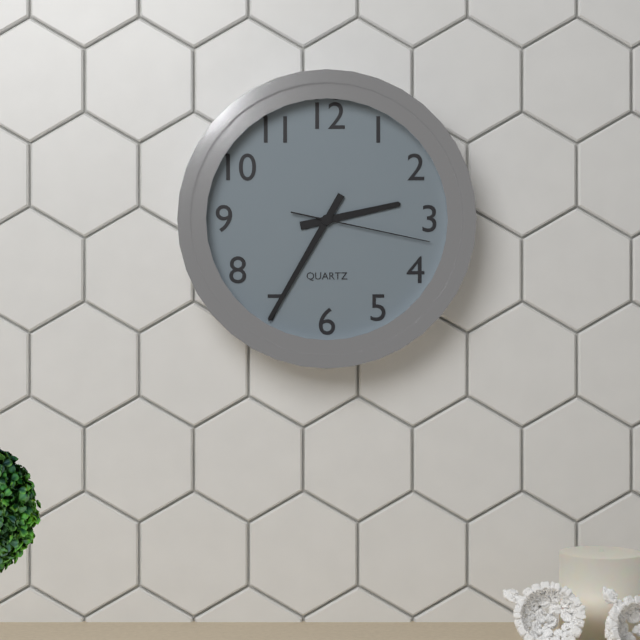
2:35:17
